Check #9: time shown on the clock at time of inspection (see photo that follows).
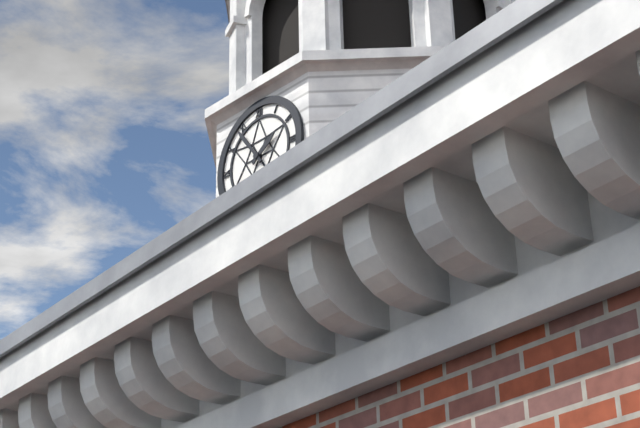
1:54
